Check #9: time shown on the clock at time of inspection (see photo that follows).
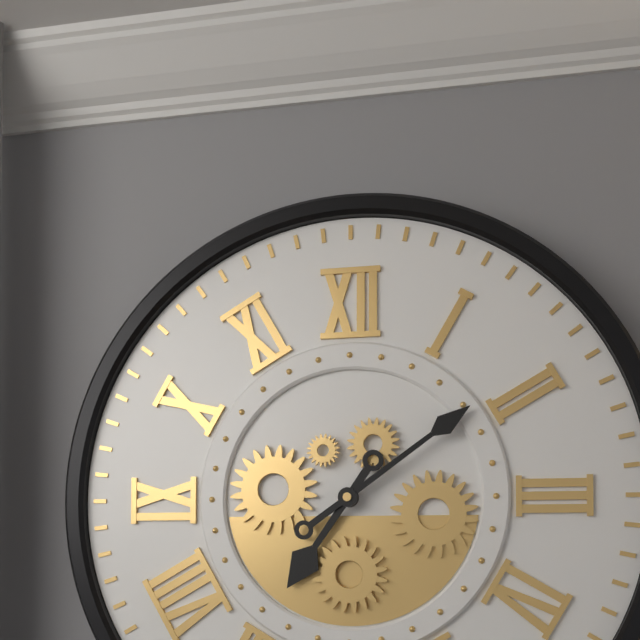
7:09
